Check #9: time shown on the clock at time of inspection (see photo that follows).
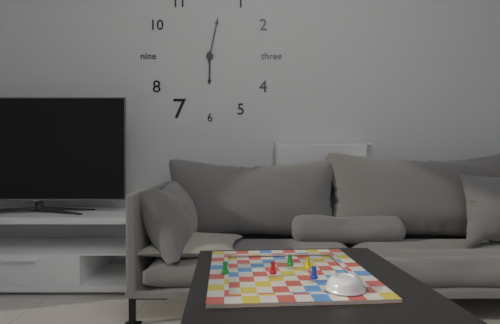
6:02
